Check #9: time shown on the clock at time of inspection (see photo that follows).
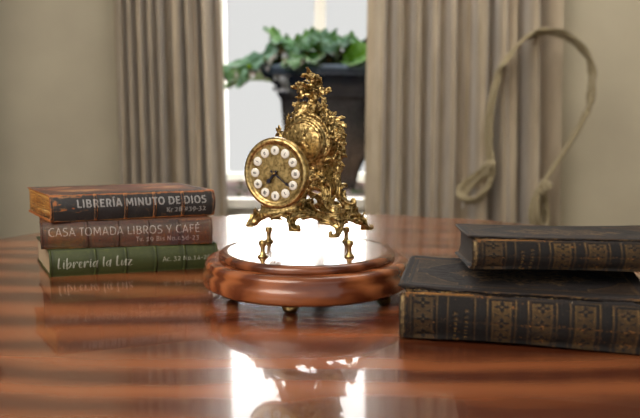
7:21
